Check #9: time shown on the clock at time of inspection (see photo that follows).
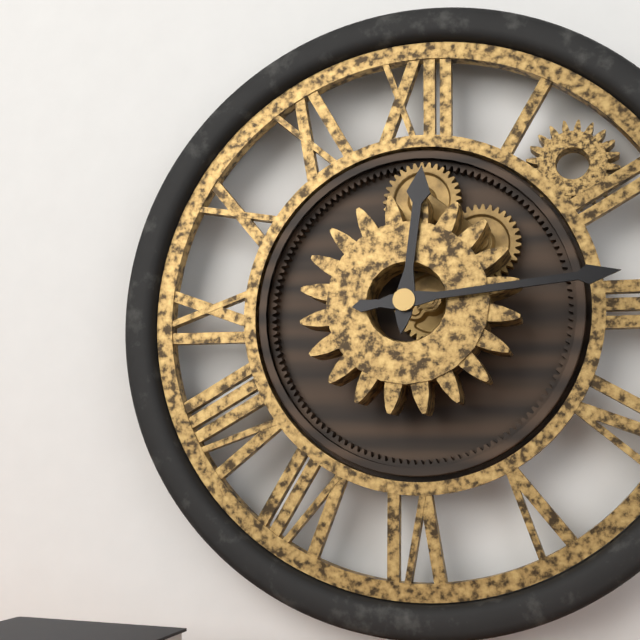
12:14
